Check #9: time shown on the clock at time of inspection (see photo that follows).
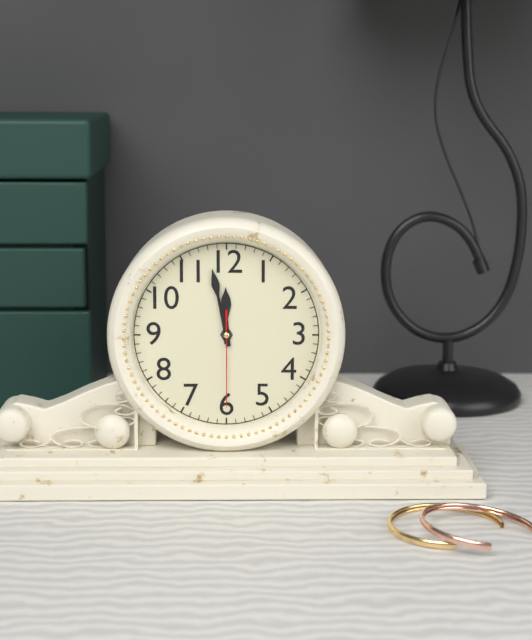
11:58:30
